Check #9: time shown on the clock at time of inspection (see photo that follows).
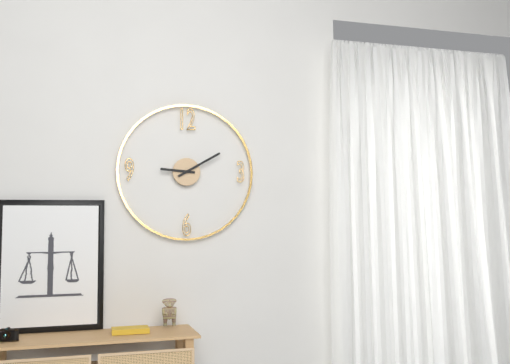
9:10
